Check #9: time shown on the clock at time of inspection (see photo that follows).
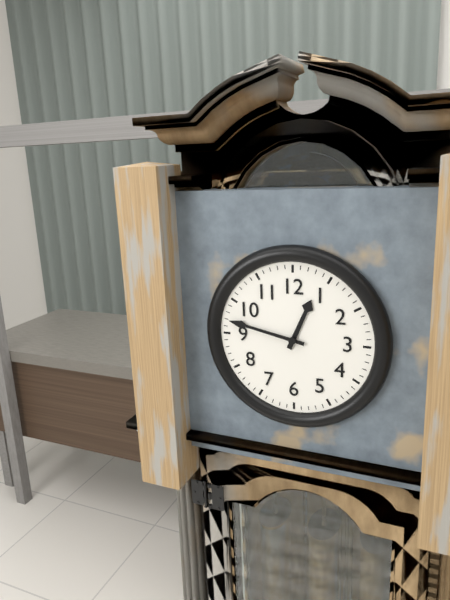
12:47
